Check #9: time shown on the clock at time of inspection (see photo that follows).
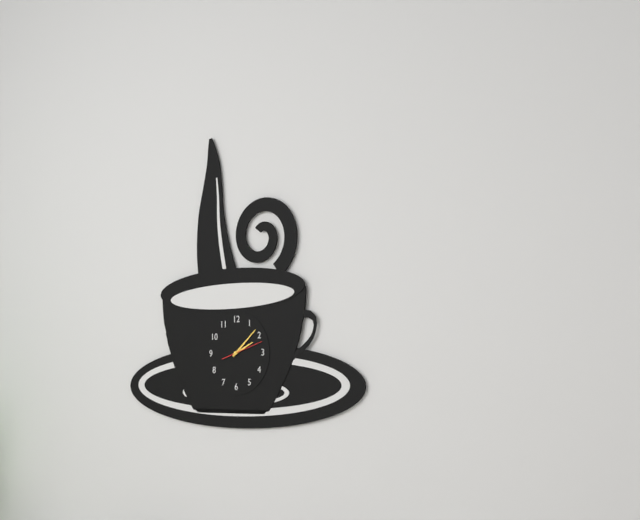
2:08
